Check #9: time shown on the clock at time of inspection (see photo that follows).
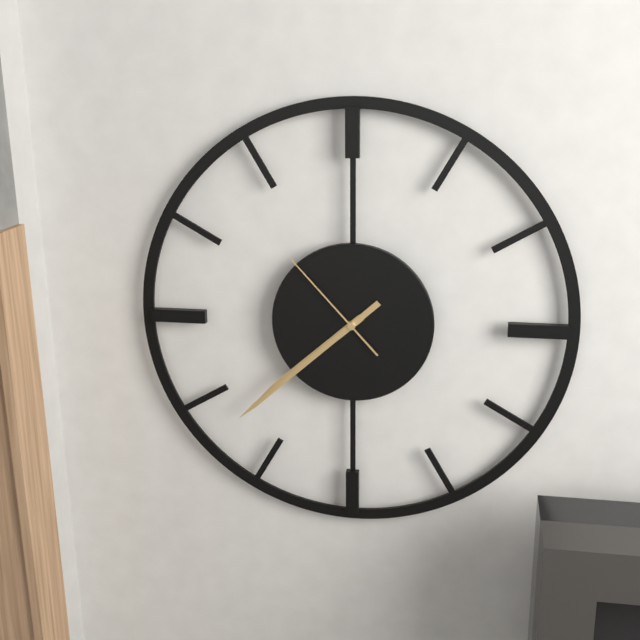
7:38:53
